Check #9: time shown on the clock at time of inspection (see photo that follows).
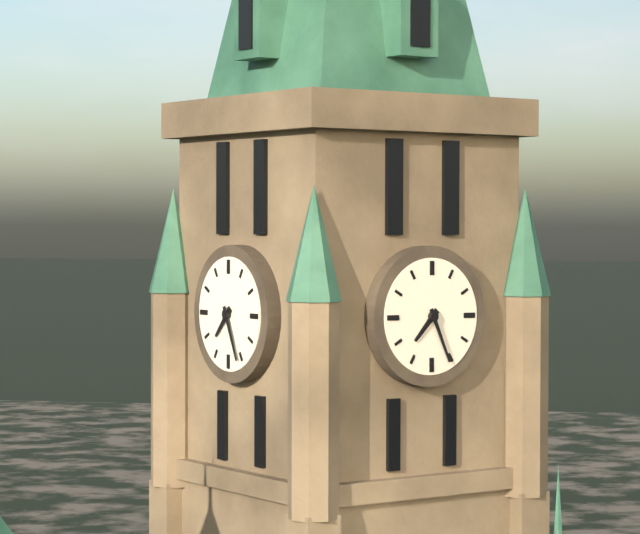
7:26
